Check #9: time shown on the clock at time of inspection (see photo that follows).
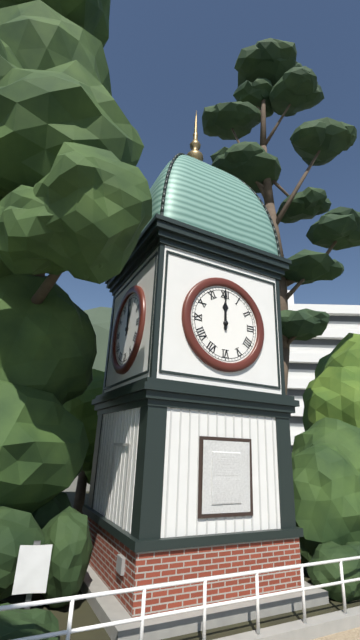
12:00
